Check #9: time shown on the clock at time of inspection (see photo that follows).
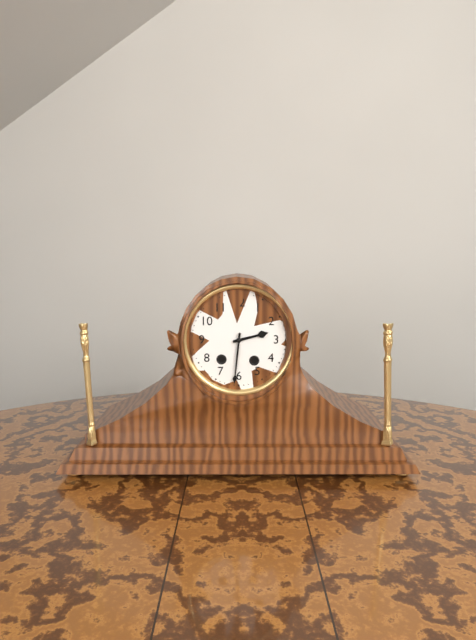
2:31
